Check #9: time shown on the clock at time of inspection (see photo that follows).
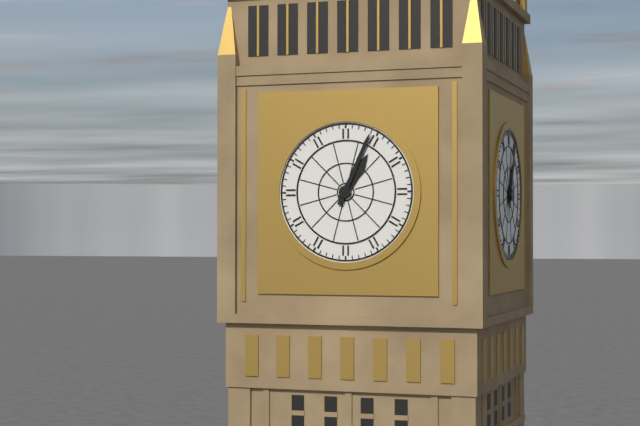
1:04
